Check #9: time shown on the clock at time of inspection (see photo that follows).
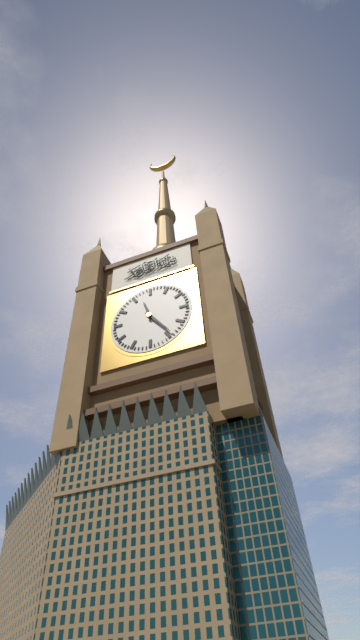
11:24
